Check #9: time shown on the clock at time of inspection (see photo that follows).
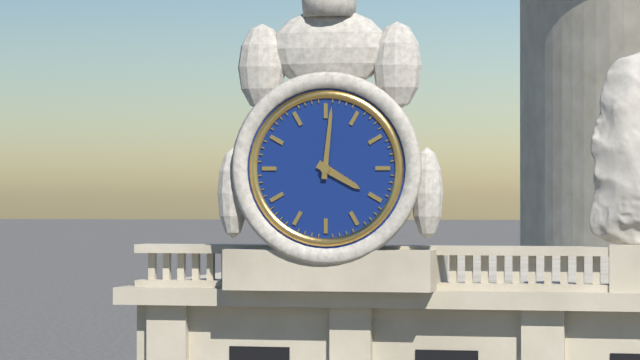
4:01
